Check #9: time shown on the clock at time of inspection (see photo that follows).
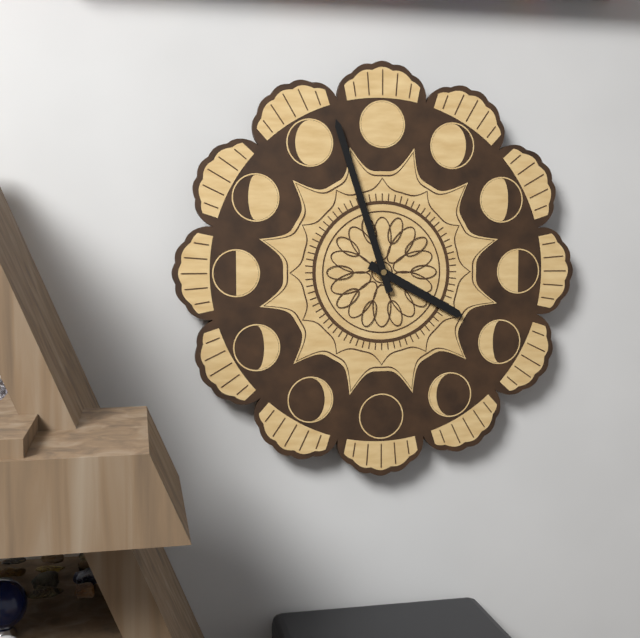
3:57
